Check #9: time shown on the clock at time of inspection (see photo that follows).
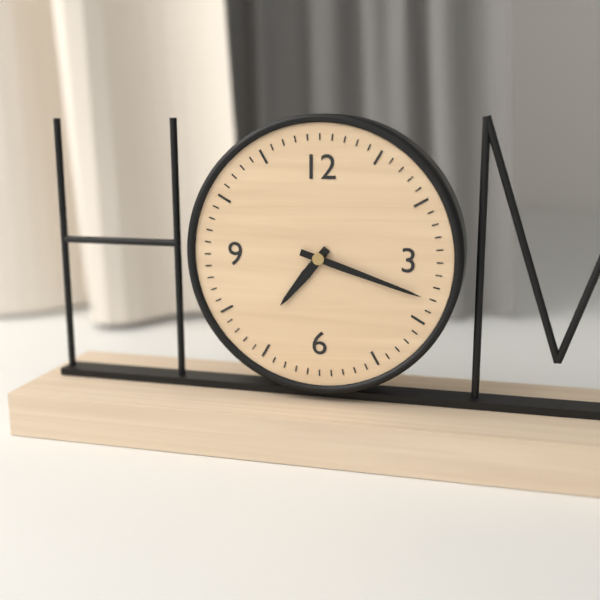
7:18
